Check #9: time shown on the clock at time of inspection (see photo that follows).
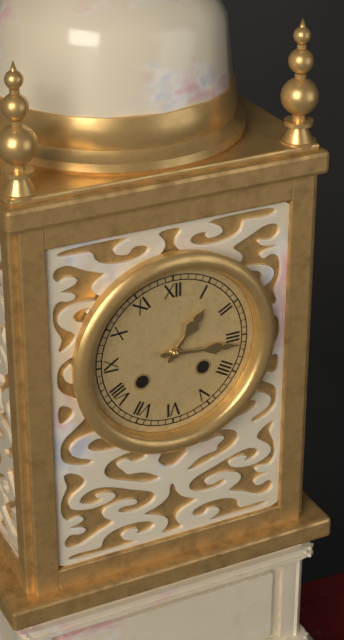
1:16
